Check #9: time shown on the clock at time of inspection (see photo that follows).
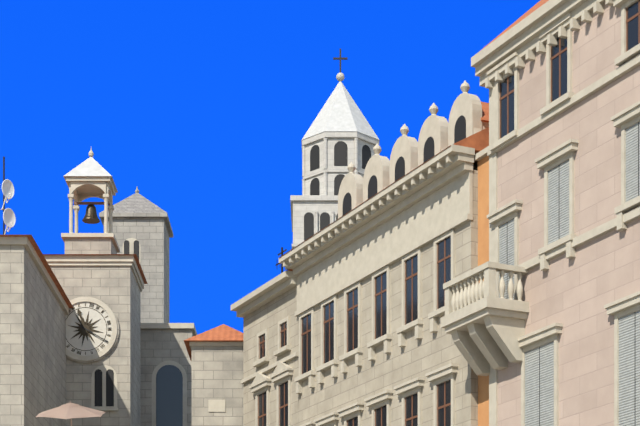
11:20
